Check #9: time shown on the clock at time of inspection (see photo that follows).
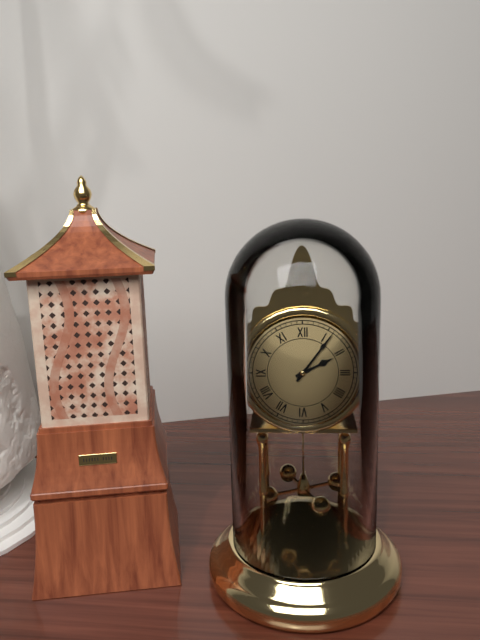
2:06
